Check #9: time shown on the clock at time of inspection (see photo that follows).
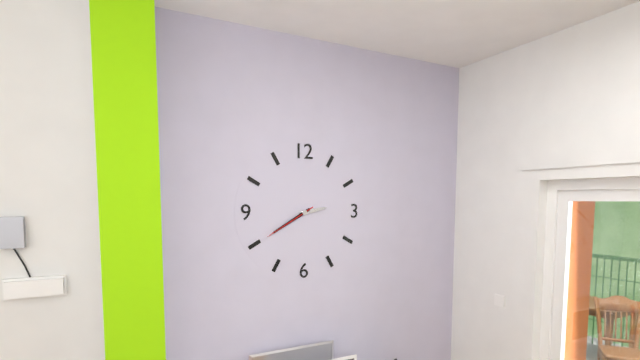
2:40:40
